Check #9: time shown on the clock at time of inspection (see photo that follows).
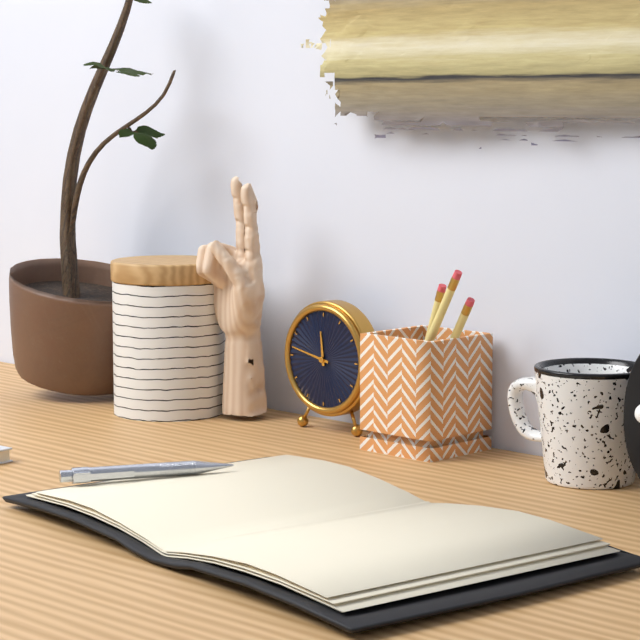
11:47
